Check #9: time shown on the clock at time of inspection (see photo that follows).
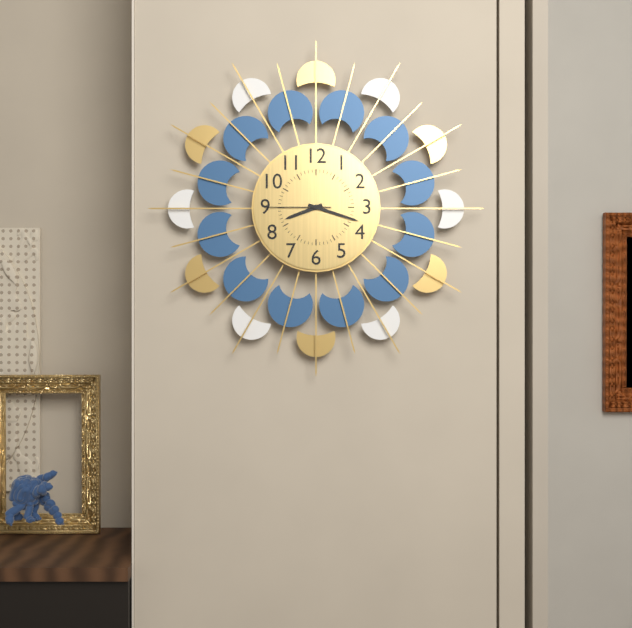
8:18:45
